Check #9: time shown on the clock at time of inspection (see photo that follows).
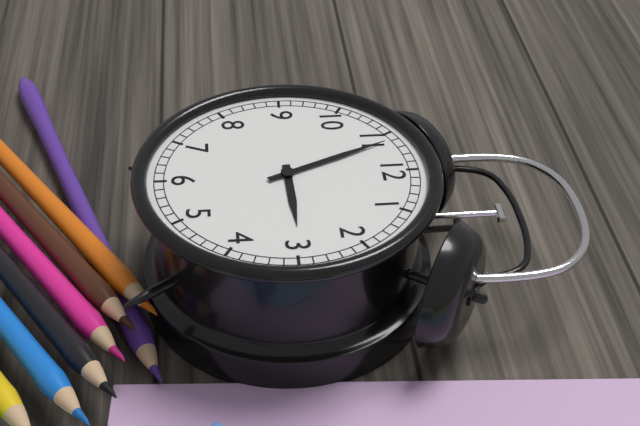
2:56
